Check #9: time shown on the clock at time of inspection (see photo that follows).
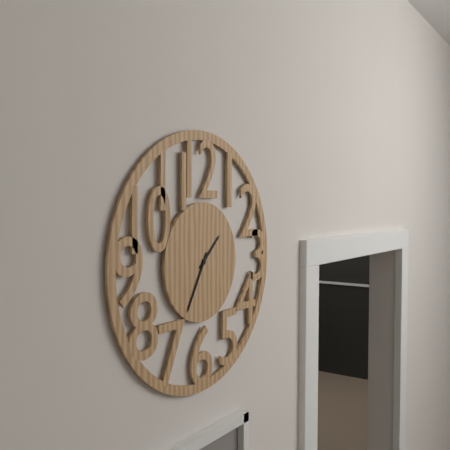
1:35
